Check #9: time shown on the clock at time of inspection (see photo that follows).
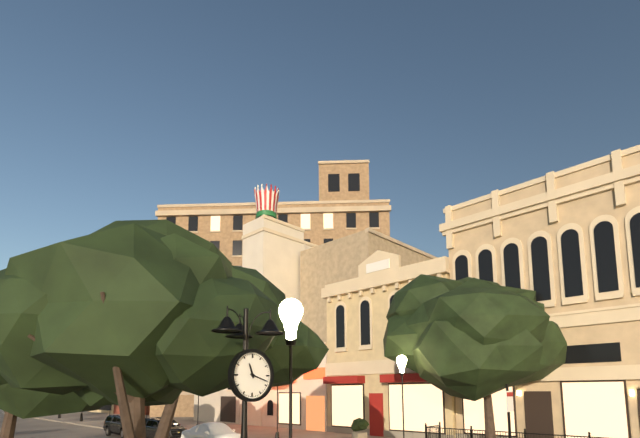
11:18
